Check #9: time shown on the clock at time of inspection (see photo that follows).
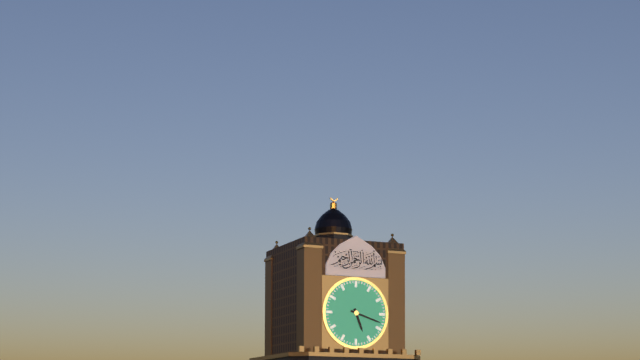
5:18
